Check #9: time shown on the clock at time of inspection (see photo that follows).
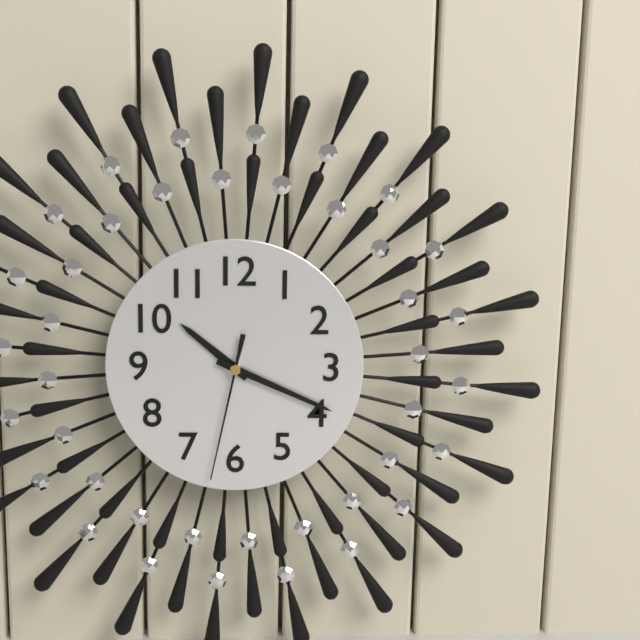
10:19:32
